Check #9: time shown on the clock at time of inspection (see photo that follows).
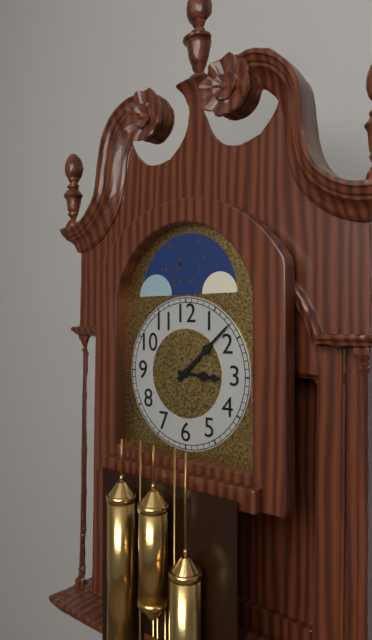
3:08
